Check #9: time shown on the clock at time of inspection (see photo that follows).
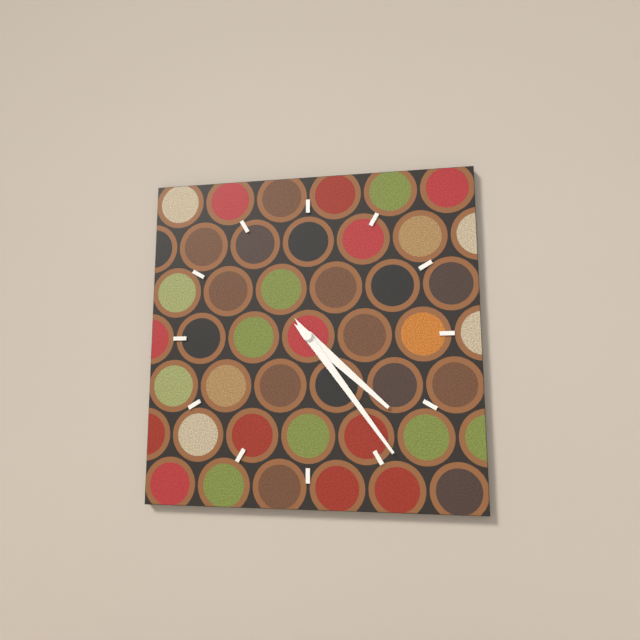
4:24
